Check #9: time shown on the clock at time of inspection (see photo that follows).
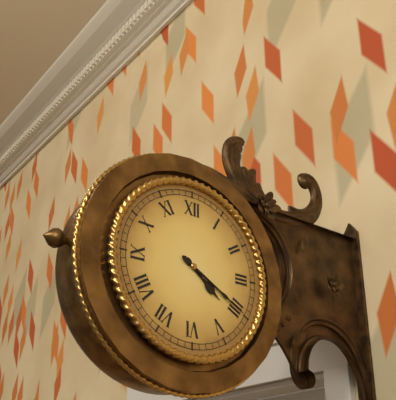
4:20
